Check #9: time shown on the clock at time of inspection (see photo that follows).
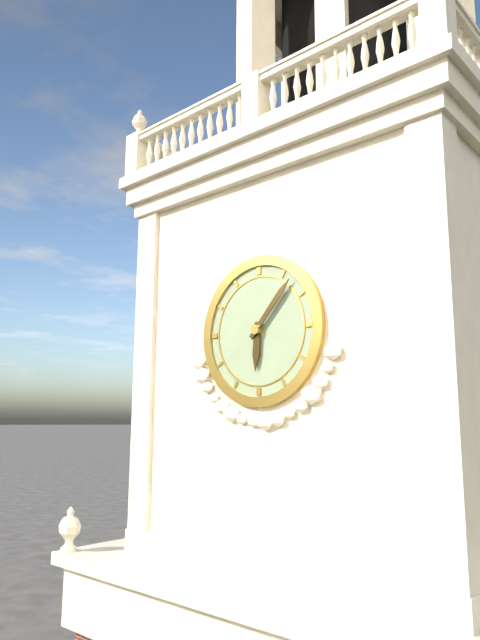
6:07
